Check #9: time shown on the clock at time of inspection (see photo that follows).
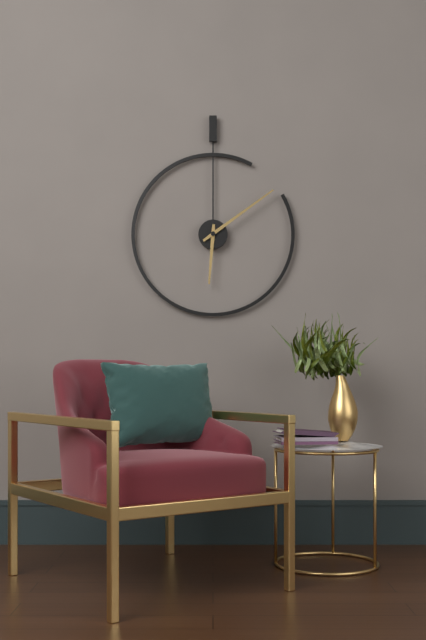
6:09
